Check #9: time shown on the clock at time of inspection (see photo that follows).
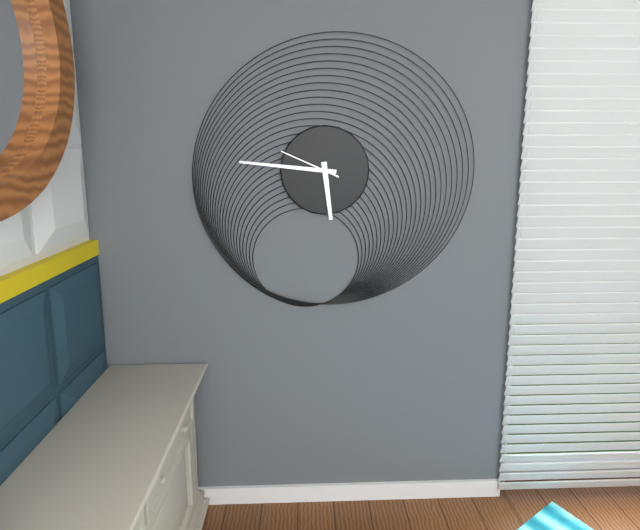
5:46:49
